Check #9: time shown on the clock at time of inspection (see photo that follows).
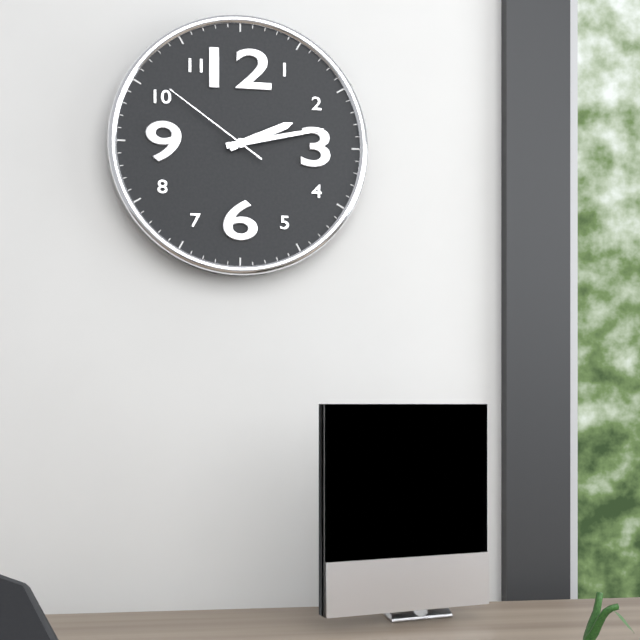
2:13:51
